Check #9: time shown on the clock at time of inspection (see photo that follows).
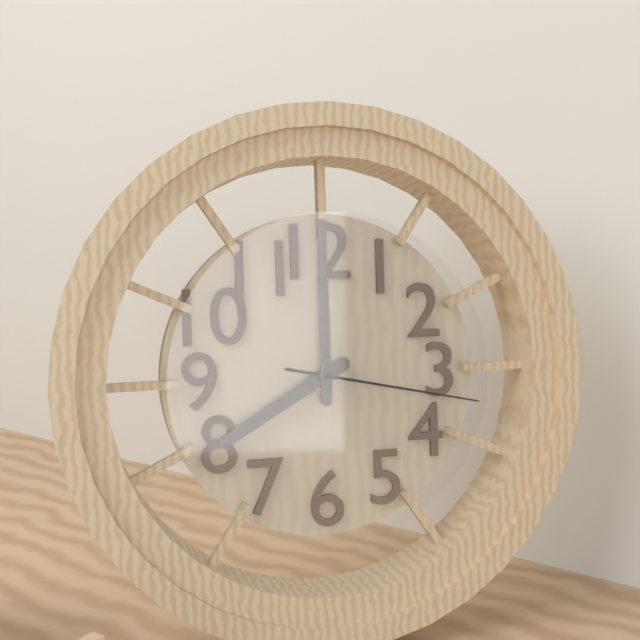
8:00:17
